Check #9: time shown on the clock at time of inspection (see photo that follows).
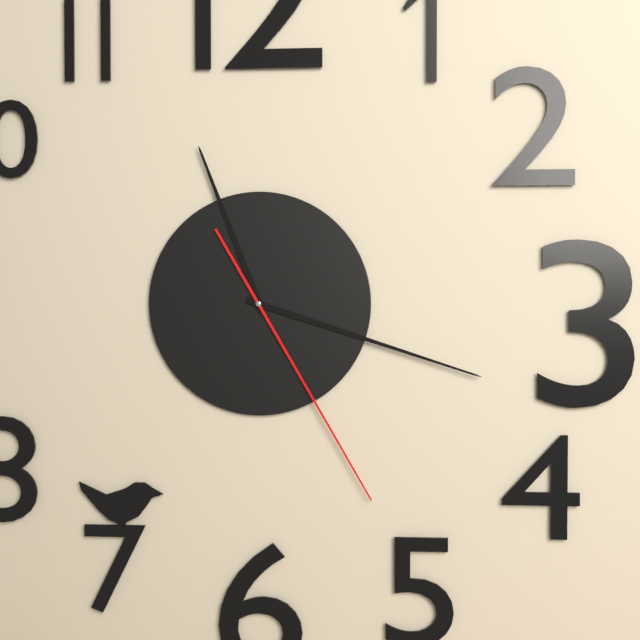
11:18:25
